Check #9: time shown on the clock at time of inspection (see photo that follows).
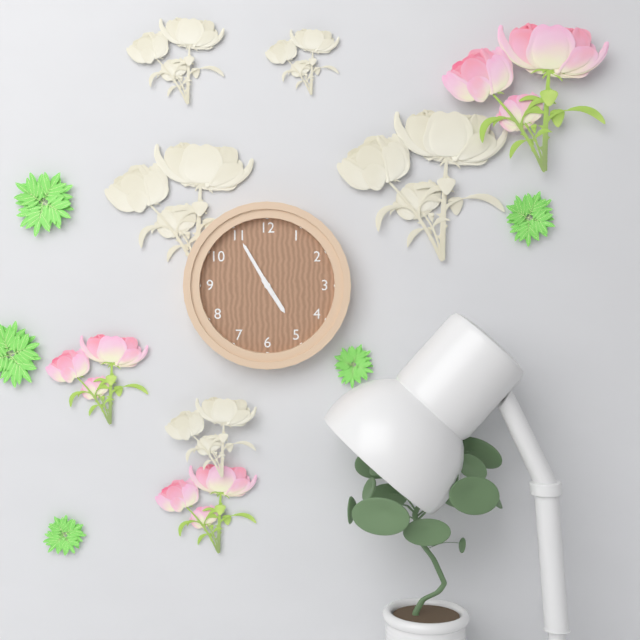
4:55
